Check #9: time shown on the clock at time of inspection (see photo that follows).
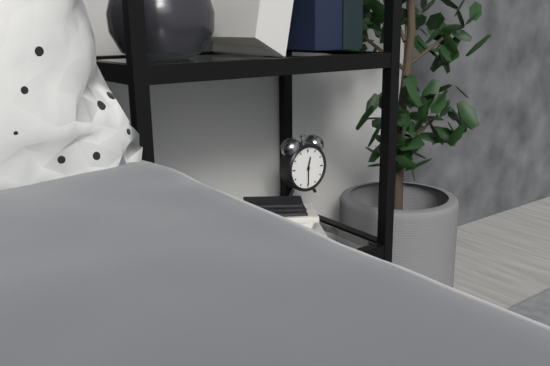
12:30
